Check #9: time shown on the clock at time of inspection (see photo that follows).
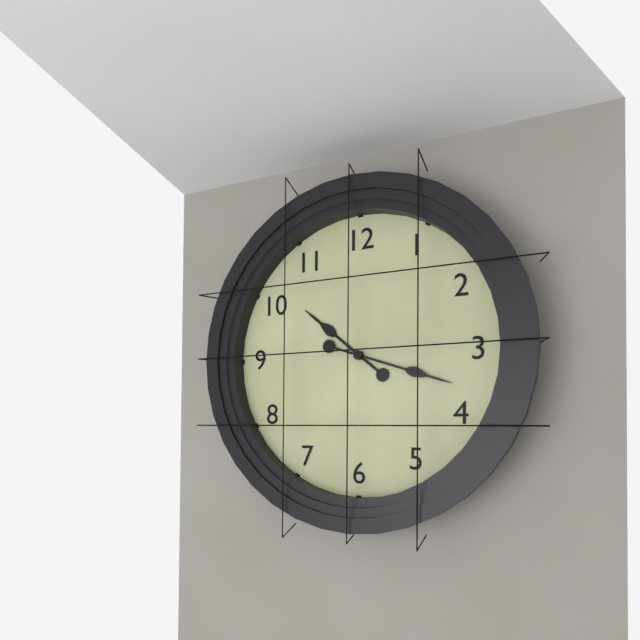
10:18
